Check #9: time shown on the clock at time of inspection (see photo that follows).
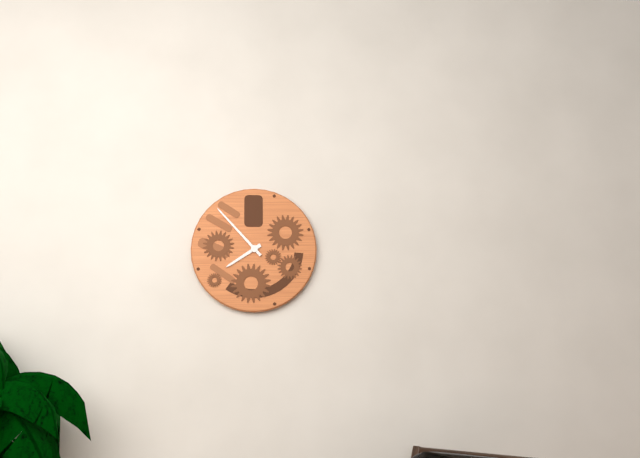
7:53
